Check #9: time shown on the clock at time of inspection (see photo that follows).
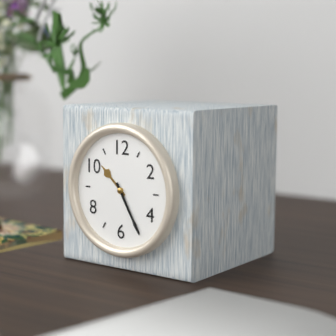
10:25
